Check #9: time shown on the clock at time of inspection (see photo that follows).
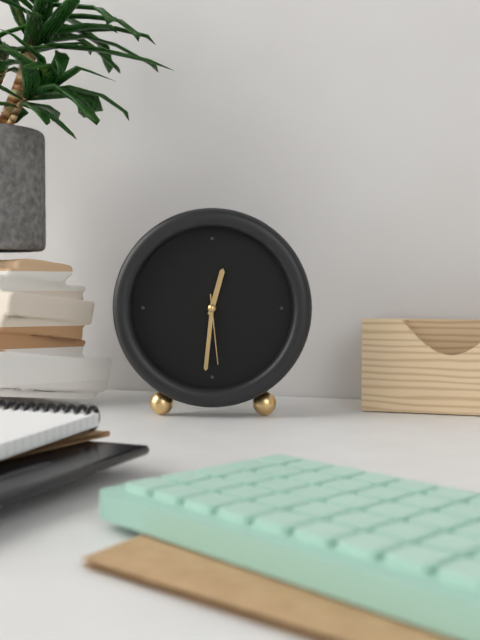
12:31:29
